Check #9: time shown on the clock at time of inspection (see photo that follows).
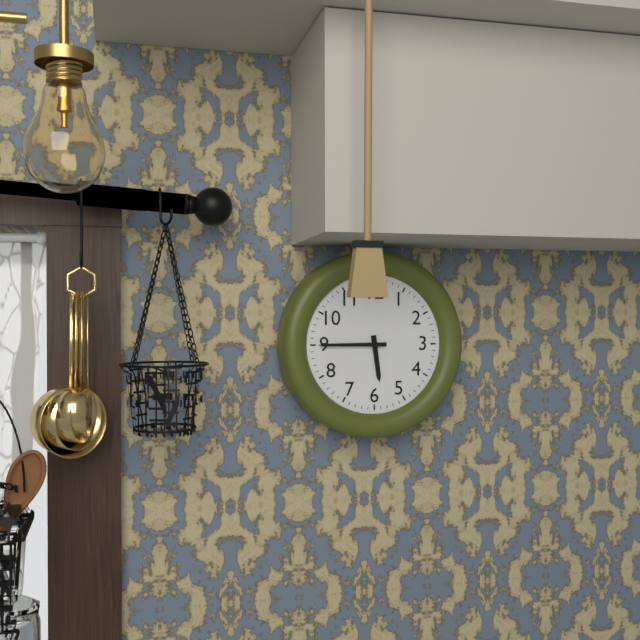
5:45
